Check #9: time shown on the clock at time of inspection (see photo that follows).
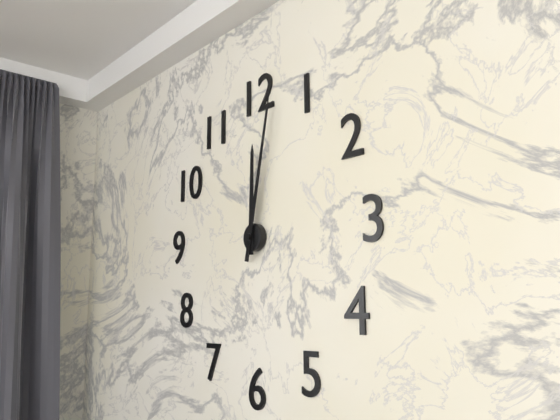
12:02
